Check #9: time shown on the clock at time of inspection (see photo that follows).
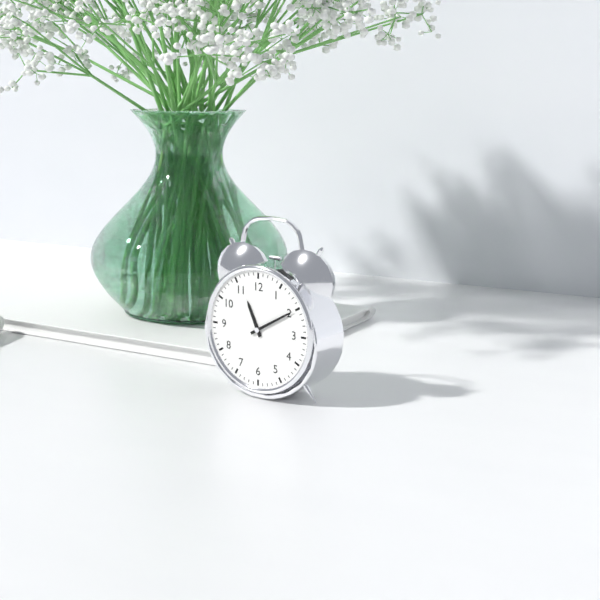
11:10
